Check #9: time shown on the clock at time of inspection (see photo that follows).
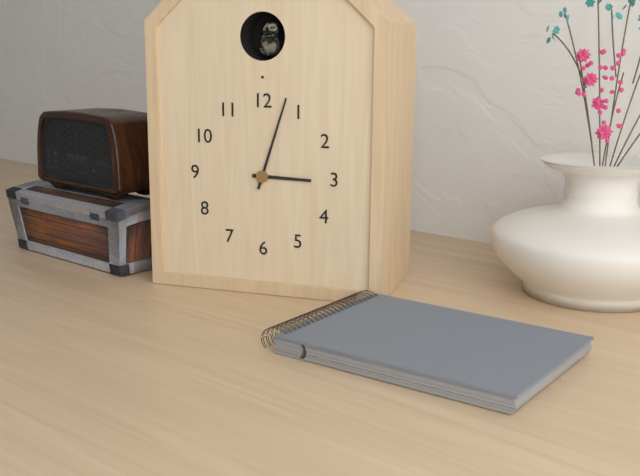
3:03
